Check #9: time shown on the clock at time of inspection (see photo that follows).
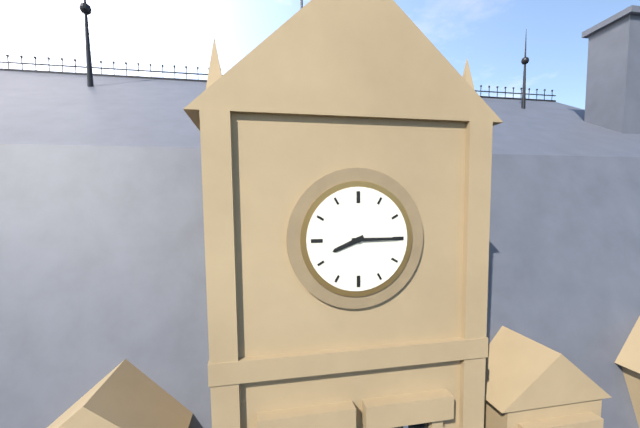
8:15
